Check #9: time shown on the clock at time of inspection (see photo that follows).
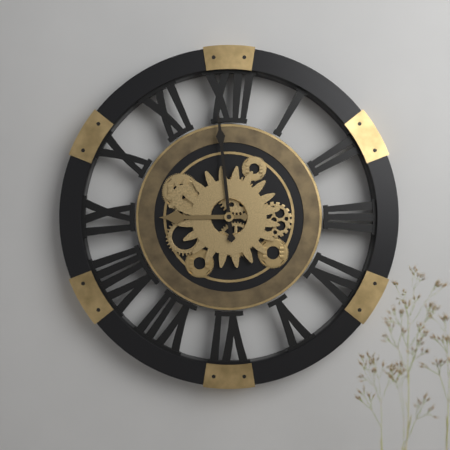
8:59
